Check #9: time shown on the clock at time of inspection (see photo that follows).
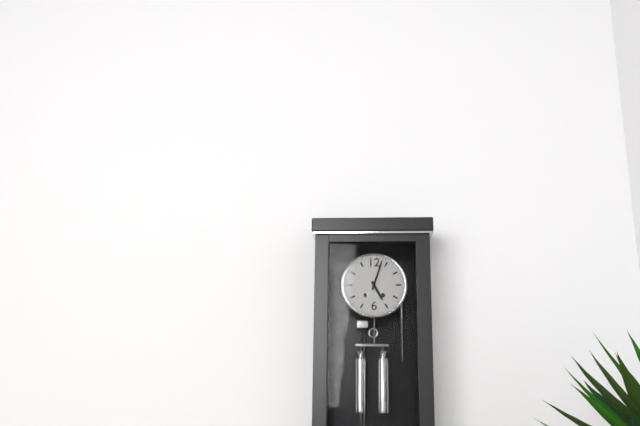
5:03
